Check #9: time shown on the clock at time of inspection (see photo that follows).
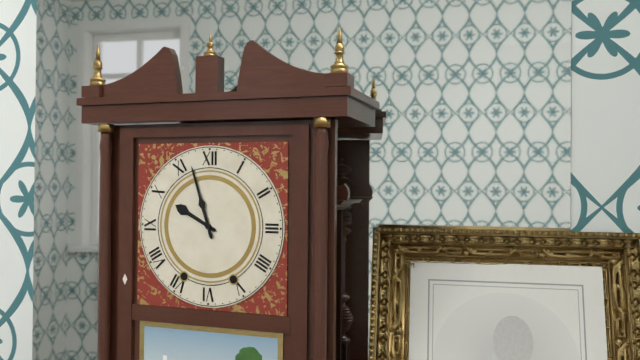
9:57
